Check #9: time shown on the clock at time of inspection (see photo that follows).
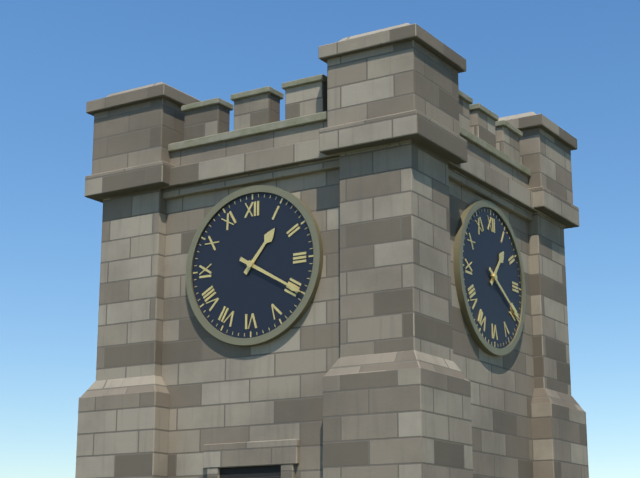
1:20
